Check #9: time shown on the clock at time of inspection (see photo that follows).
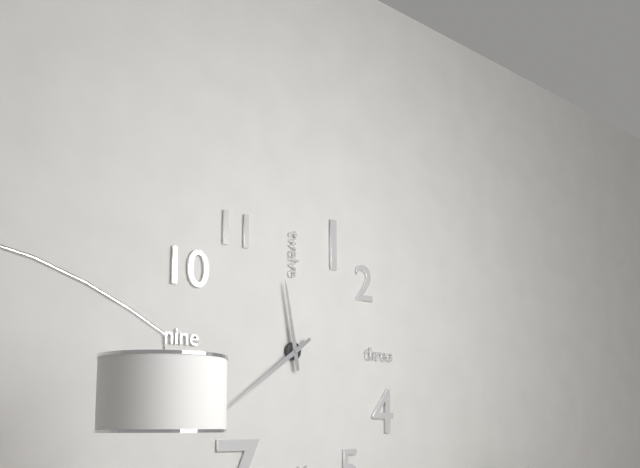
11:39
